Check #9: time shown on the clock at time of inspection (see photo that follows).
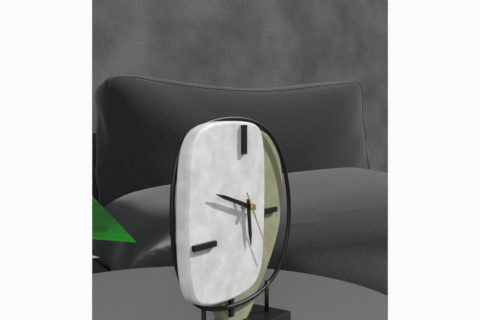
5:48:25
